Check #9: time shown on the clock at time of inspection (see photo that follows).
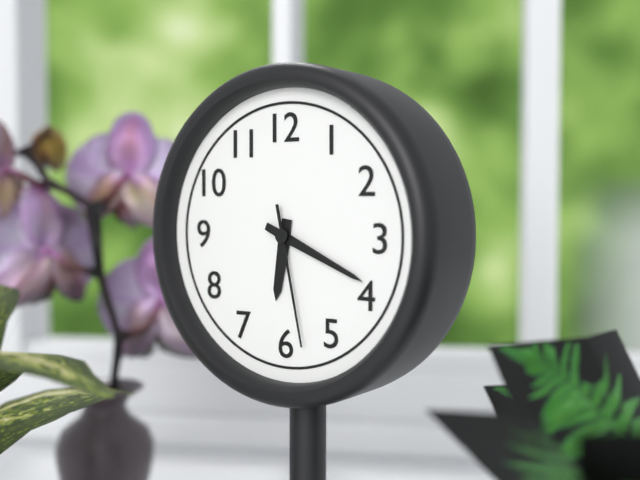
6:19:28
